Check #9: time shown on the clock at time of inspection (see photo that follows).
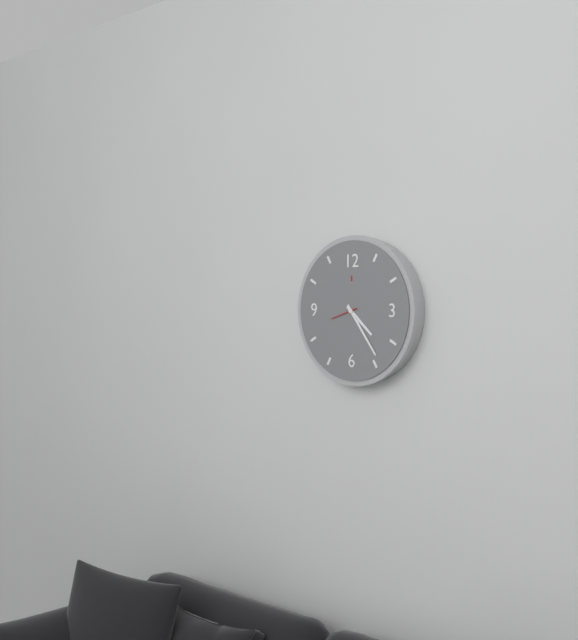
4:24
